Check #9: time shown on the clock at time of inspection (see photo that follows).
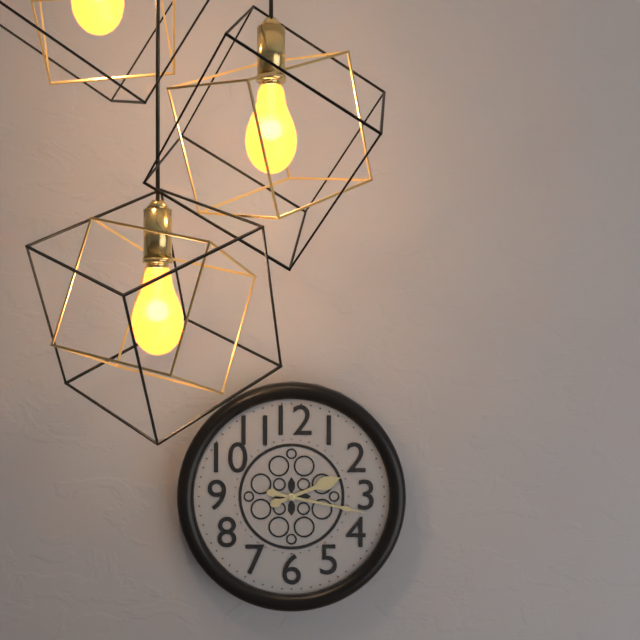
2:17
